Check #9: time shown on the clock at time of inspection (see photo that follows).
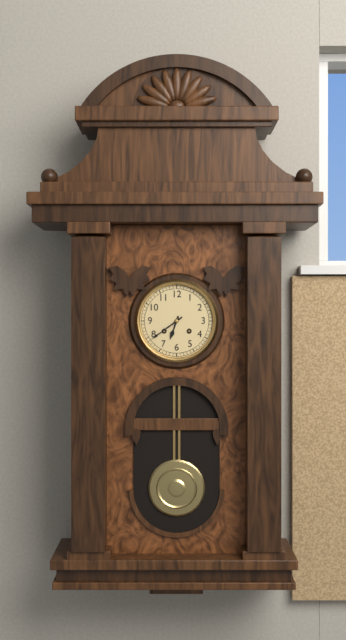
6:39
